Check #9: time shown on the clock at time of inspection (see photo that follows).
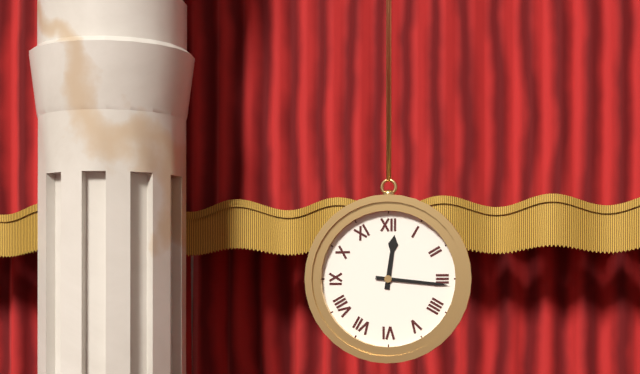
12:16
